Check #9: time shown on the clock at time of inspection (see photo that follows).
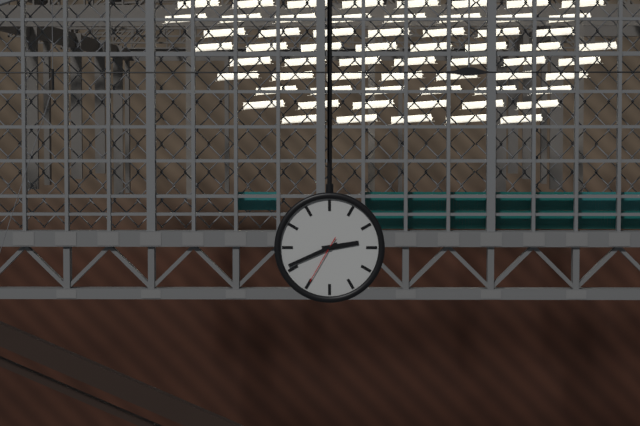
2:41
